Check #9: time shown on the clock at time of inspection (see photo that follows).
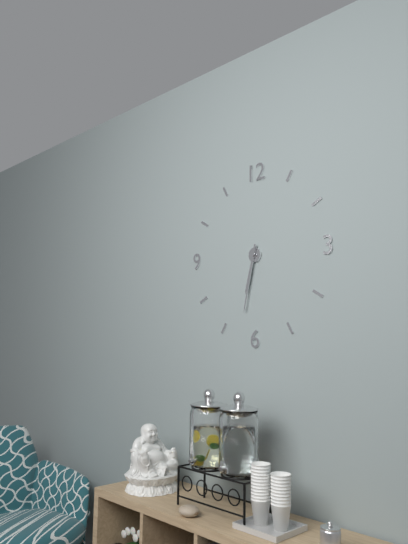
6:32
